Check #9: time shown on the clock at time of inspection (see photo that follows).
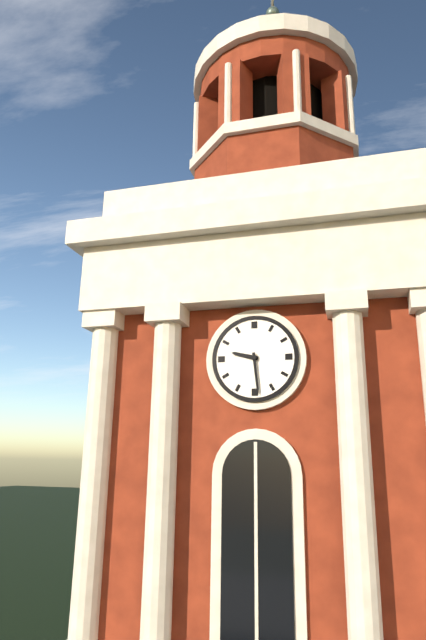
9:29
